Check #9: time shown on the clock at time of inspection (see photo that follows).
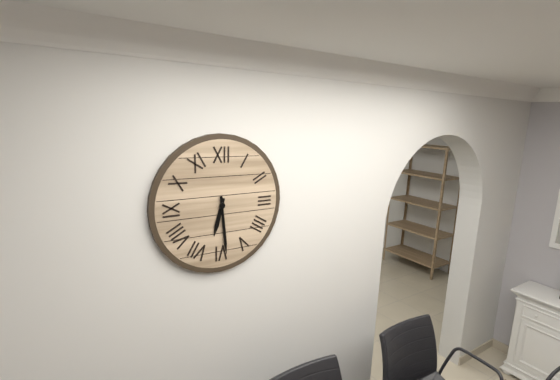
6:29
